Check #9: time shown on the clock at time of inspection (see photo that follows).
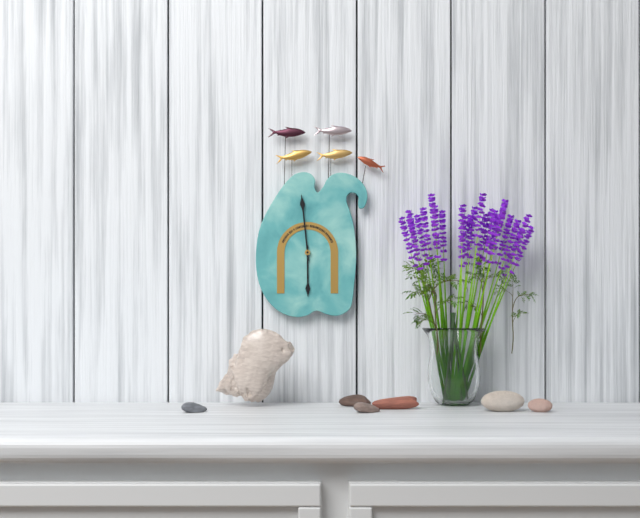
5:59
